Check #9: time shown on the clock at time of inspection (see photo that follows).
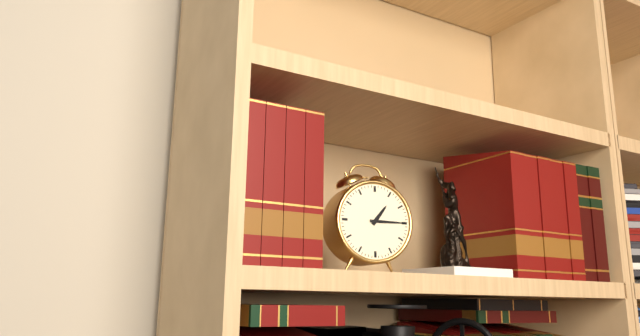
1:15
